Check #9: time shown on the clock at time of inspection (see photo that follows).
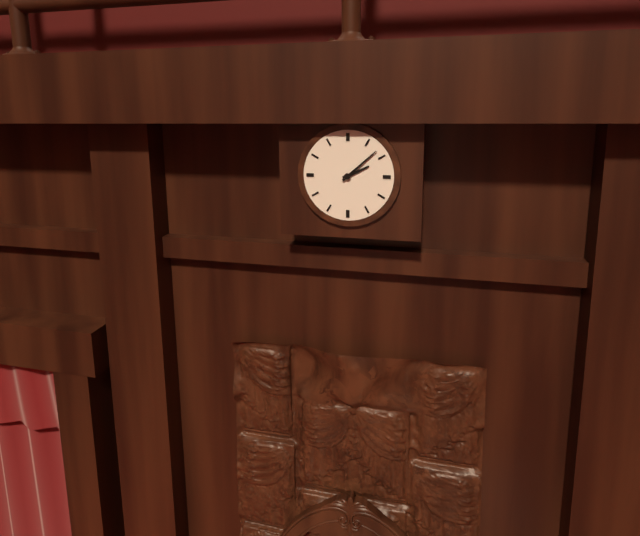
2:08
